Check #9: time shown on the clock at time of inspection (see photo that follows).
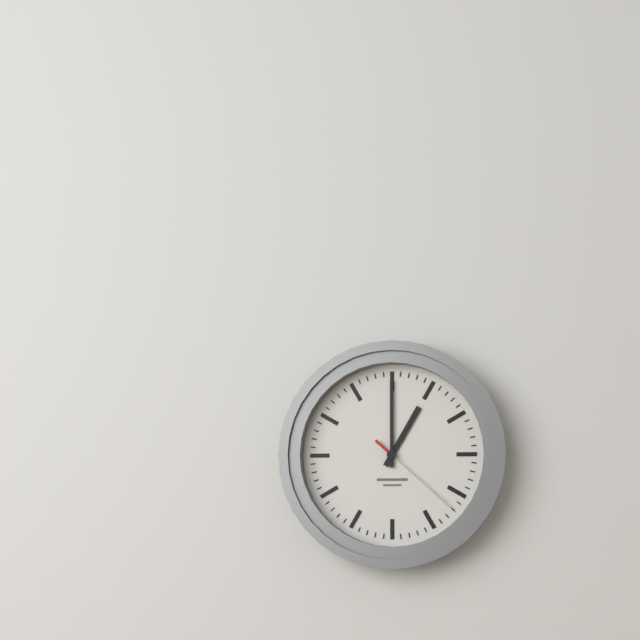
1:00:22
